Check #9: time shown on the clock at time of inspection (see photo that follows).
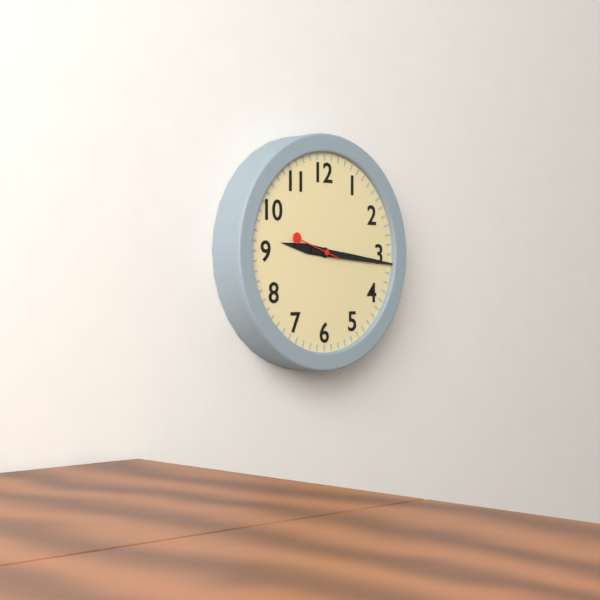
9:16
